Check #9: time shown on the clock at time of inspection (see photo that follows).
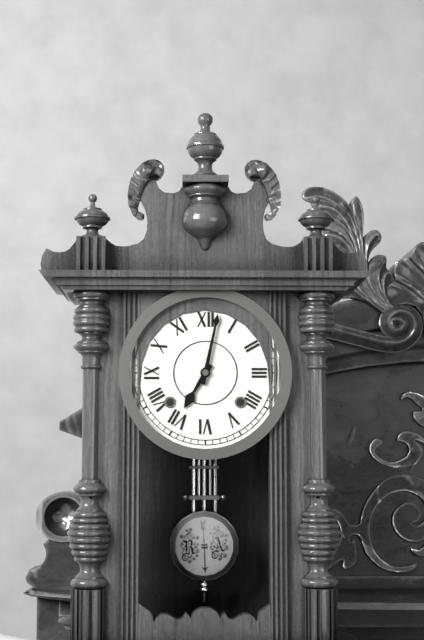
7:02
